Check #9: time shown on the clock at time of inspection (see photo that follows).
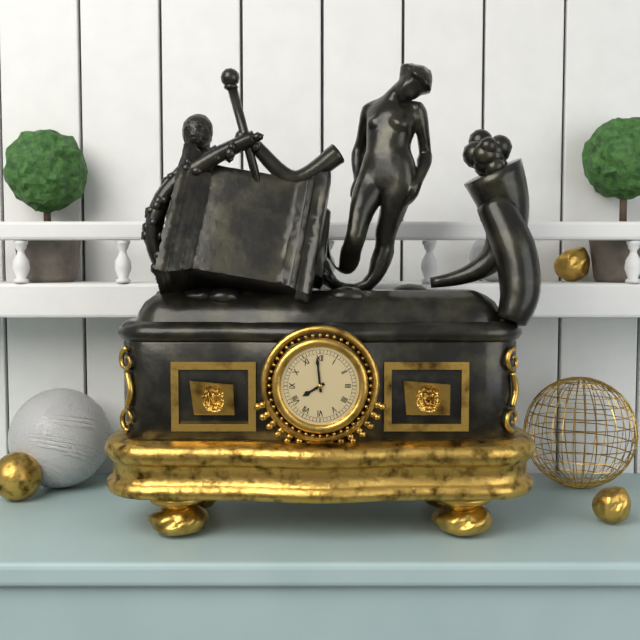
7:59
